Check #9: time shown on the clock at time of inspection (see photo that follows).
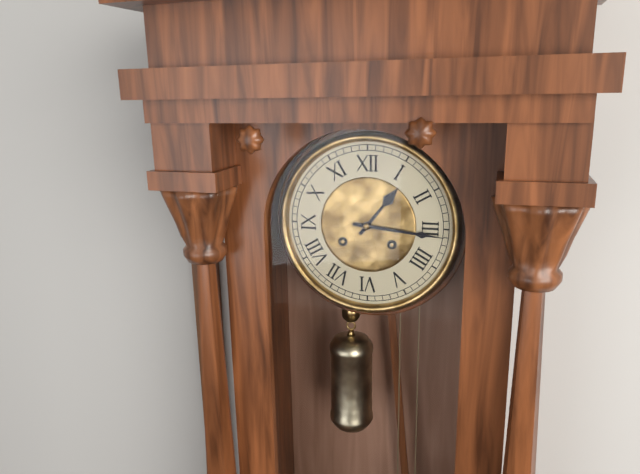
1:16
